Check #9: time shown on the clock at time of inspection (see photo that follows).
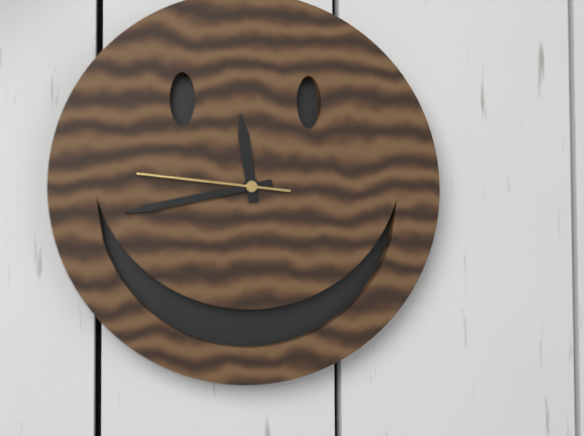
11:43:46
